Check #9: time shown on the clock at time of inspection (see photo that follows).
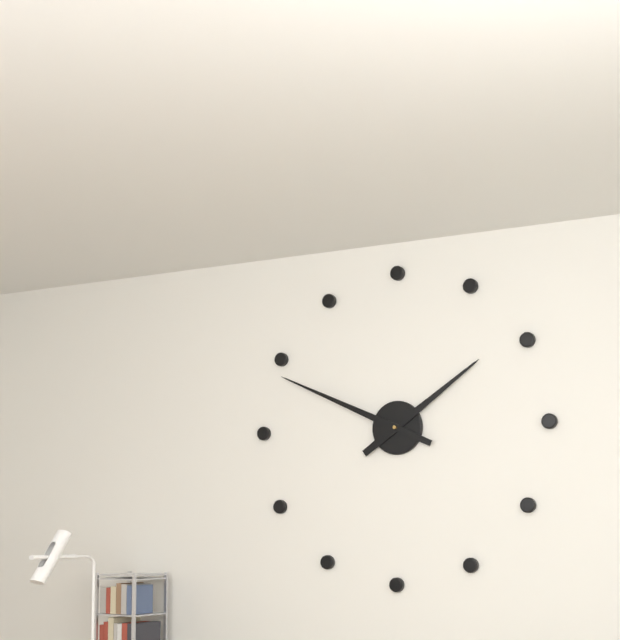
1:49
